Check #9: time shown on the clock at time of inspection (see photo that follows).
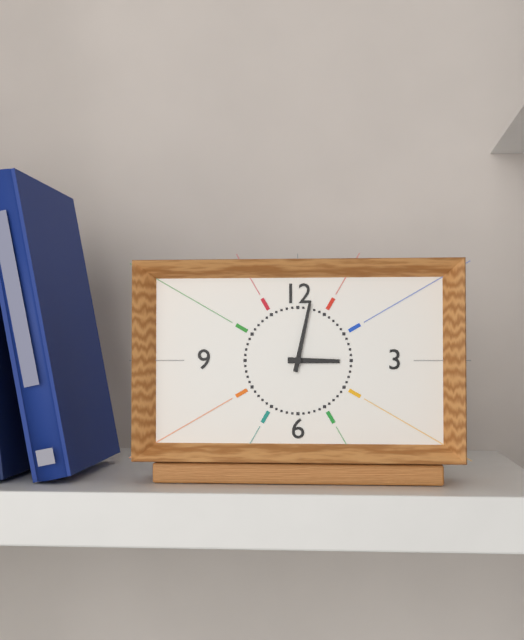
3:02
